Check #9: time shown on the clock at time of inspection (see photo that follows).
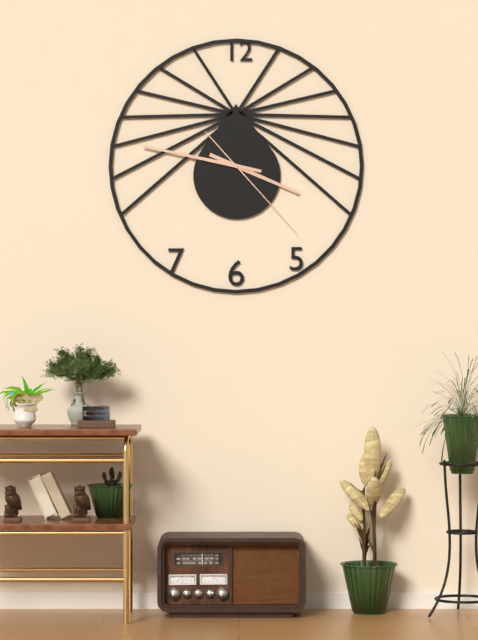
3:47:23
